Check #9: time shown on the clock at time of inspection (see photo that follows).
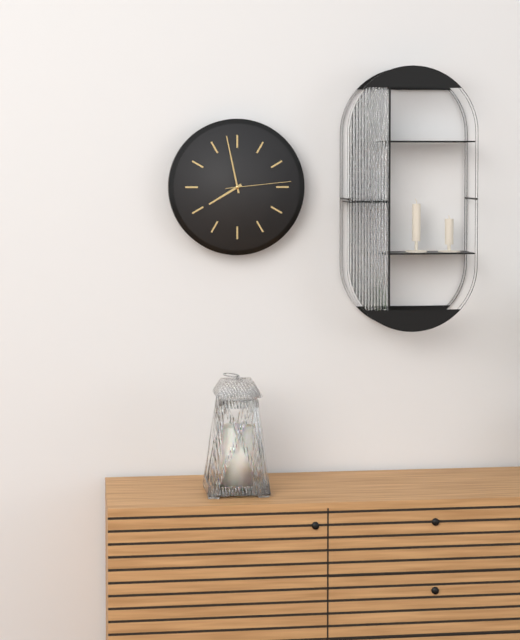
7:58:14
